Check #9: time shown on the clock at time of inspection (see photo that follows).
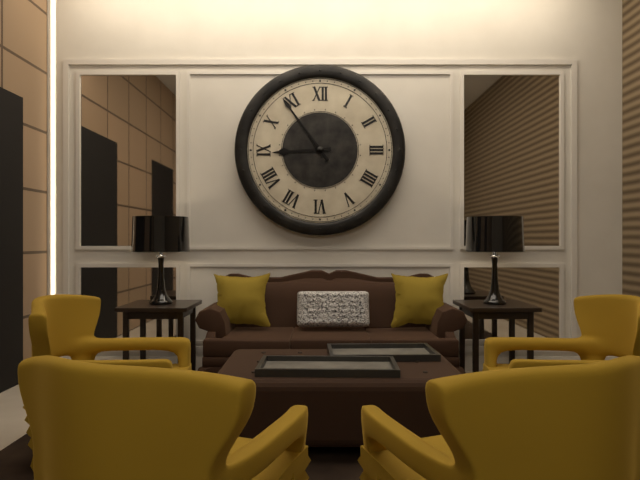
8:54
